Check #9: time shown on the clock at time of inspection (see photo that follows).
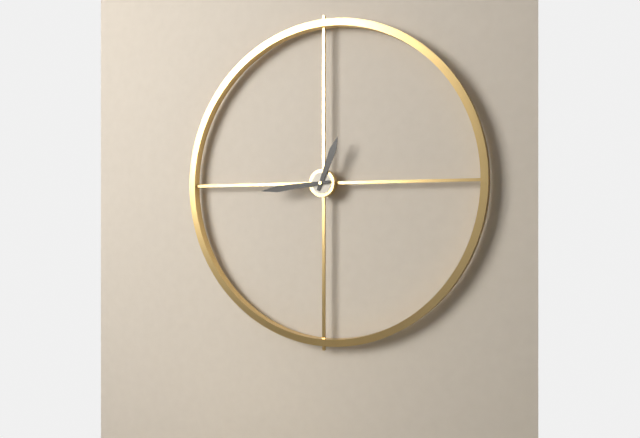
12:44
